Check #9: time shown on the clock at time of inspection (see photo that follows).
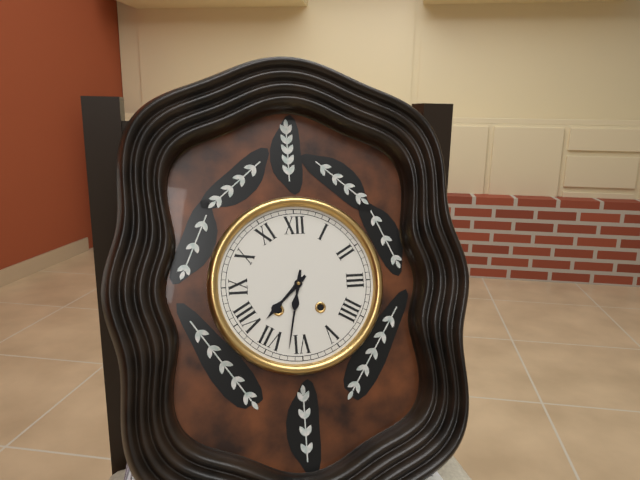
7:32
